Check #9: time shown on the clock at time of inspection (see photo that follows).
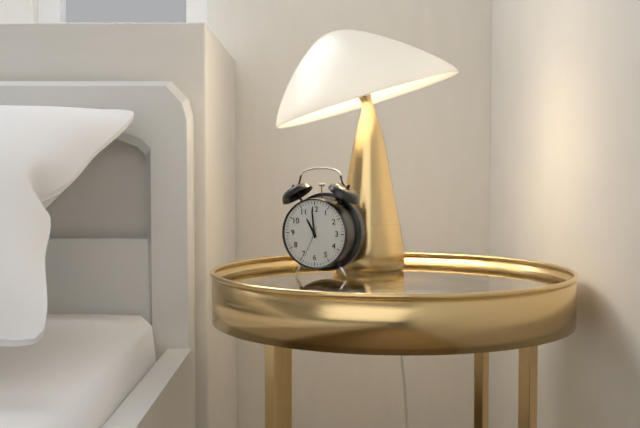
10:59
